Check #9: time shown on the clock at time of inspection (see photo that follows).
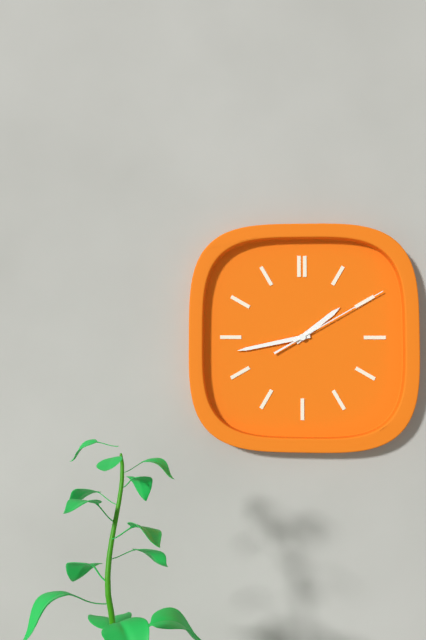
1:43:10
